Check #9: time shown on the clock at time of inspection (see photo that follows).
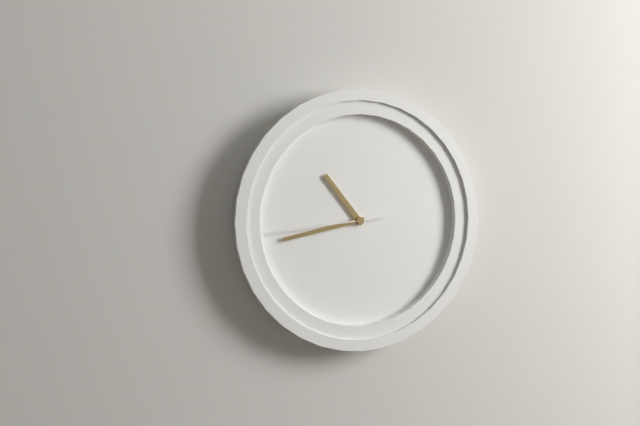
10:43:44
